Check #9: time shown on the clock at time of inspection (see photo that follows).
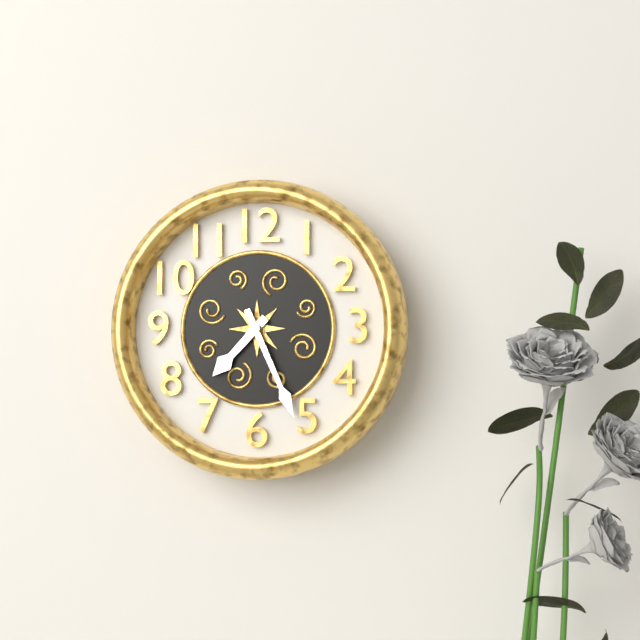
7:26
